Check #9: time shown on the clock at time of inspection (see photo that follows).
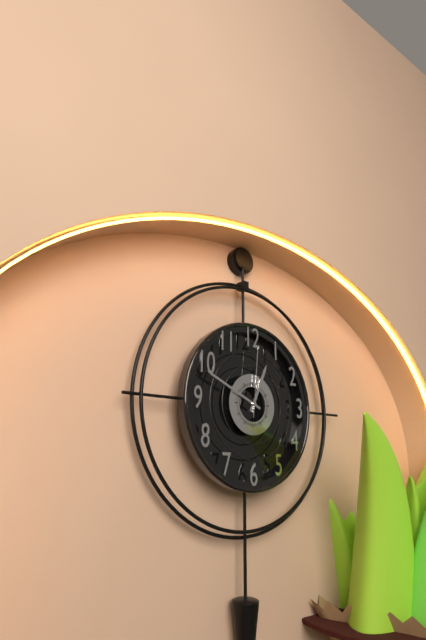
12:49:01
